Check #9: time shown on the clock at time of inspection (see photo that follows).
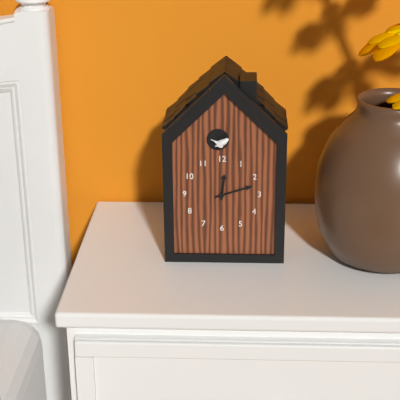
12:12
